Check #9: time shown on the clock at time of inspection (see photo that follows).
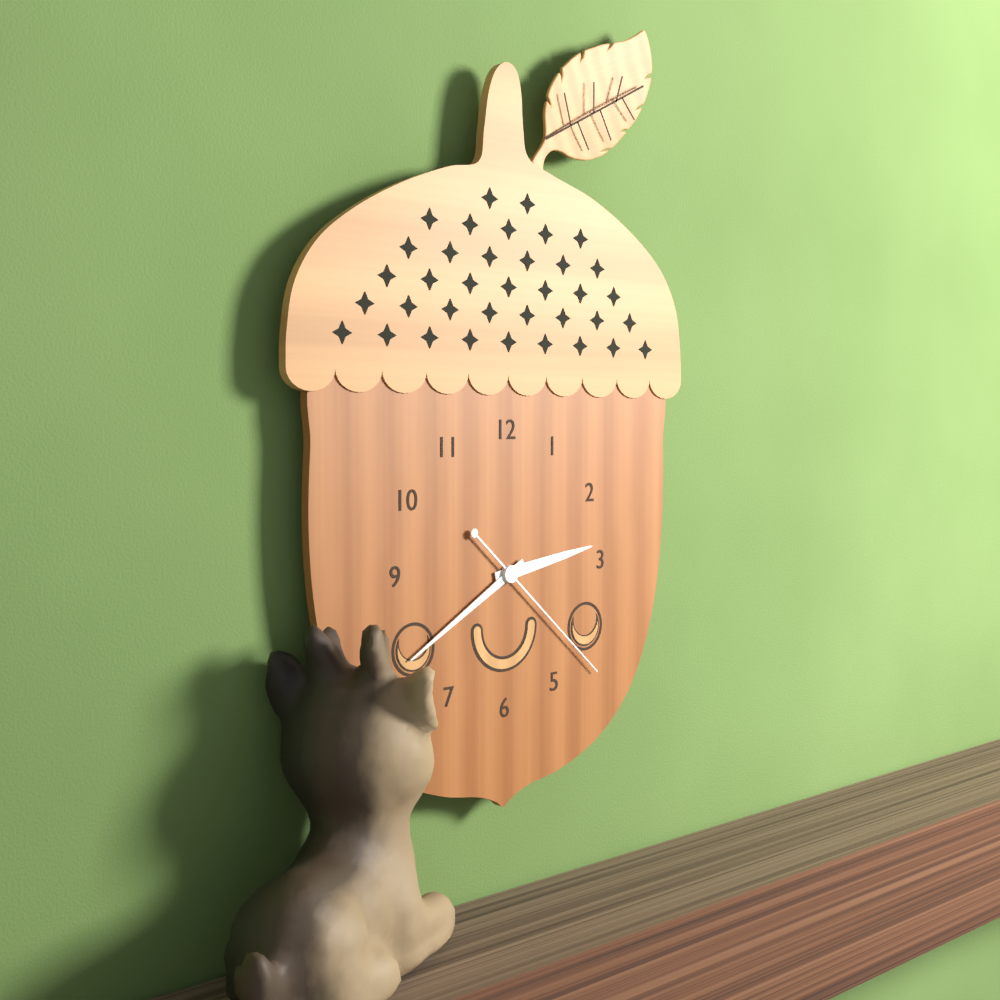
2:40:22
